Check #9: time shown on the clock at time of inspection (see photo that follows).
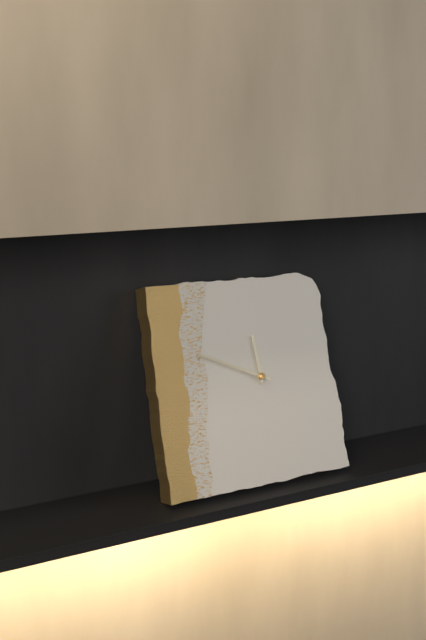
11:49
